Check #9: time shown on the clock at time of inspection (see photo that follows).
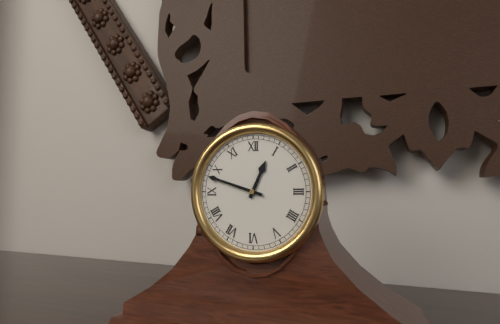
12:48
